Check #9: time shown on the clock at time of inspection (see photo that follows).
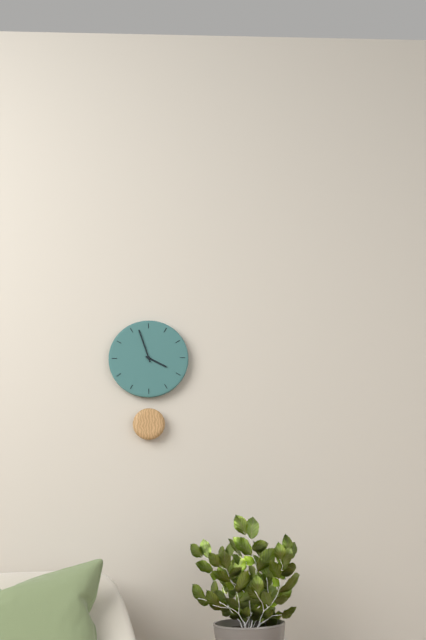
3:57
